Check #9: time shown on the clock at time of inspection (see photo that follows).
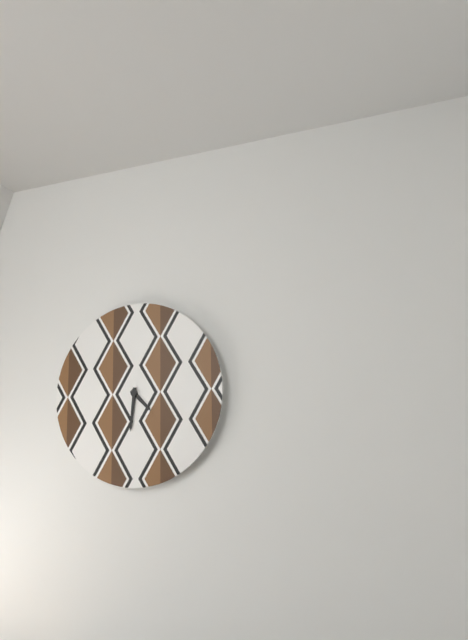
4:31
